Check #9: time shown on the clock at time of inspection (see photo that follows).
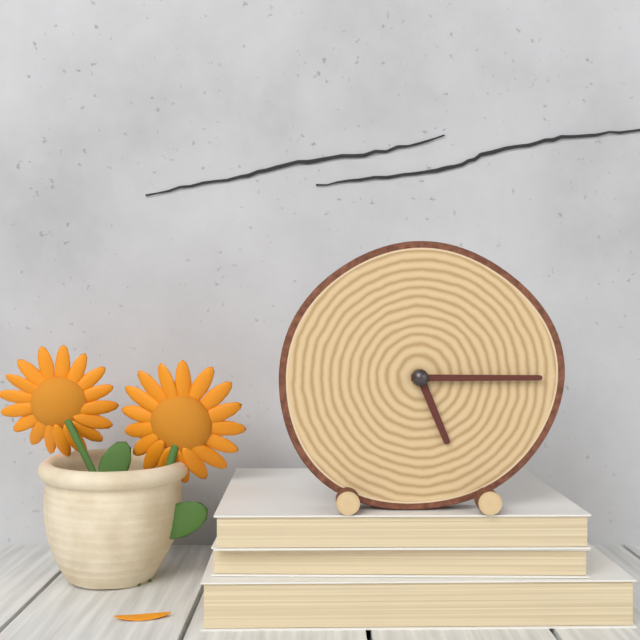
5:15
